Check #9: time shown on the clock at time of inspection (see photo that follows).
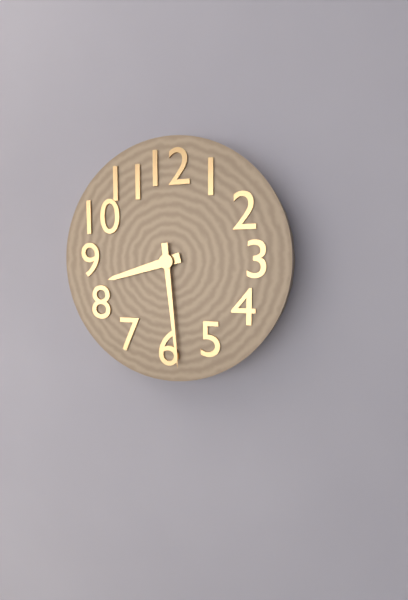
8:29
